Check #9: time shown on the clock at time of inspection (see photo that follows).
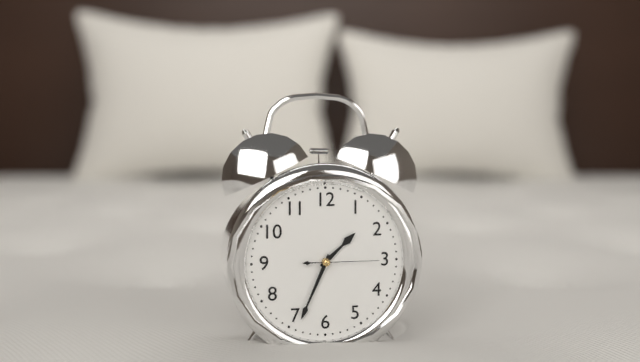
1:34:15
